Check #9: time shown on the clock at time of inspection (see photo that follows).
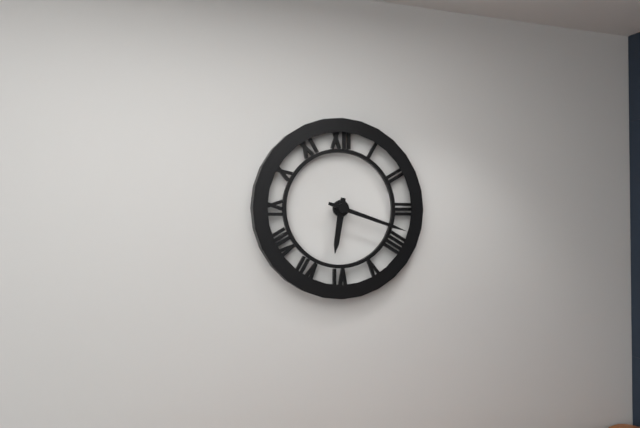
6:18
